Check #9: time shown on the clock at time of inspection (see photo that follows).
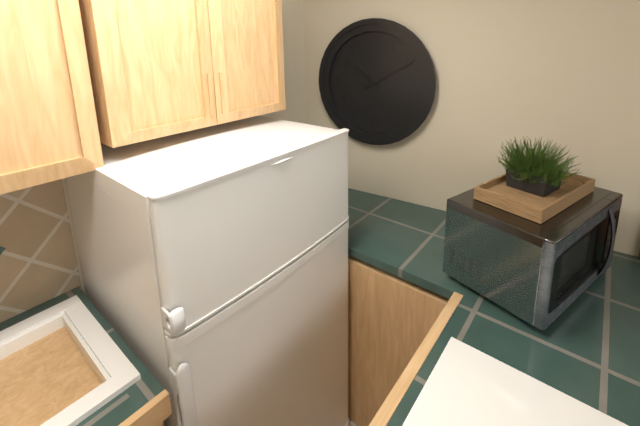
10:10
